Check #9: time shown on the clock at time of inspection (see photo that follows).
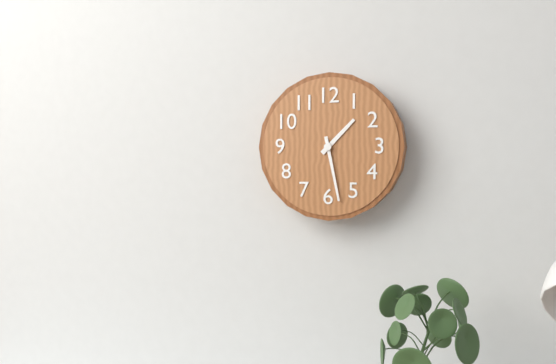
1:28
